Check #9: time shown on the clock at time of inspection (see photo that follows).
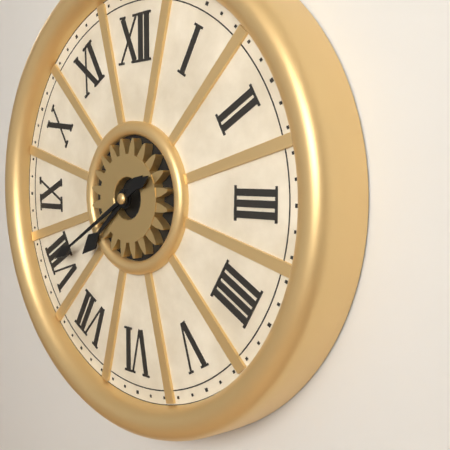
7:40
